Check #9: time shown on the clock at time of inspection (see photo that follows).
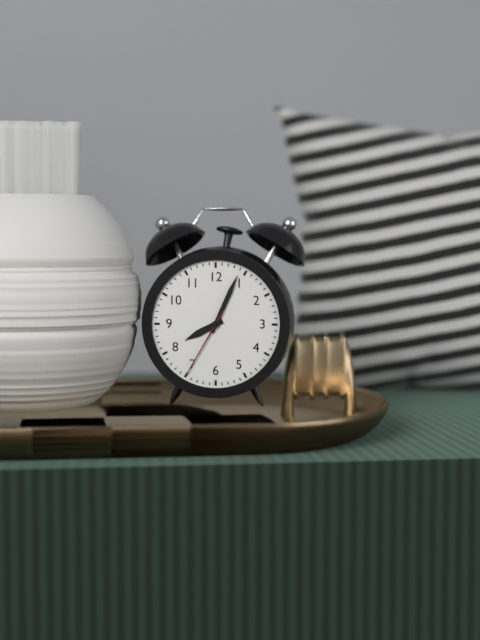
8:04:35
